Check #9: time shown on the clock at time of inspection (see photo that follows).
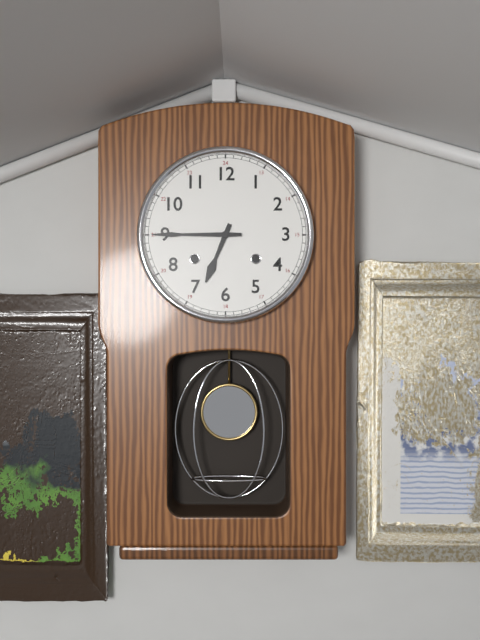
6:45
